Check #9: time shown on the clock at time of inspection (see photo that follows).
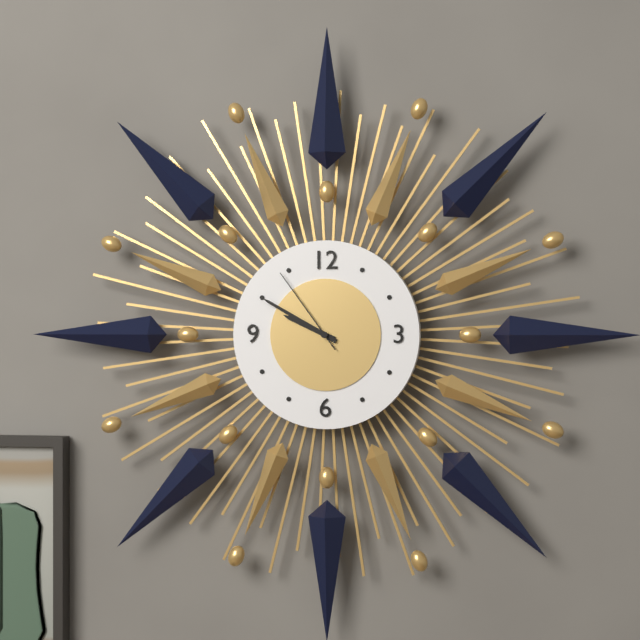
9:50:54
